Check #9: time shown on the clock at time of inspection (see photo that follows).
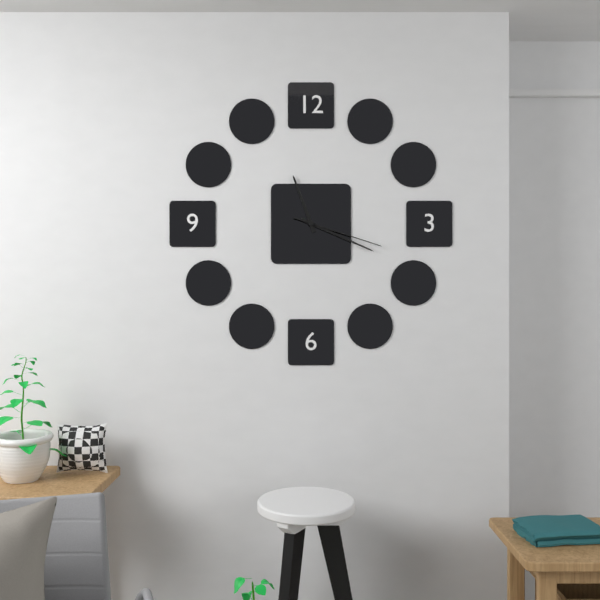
11:19:18
